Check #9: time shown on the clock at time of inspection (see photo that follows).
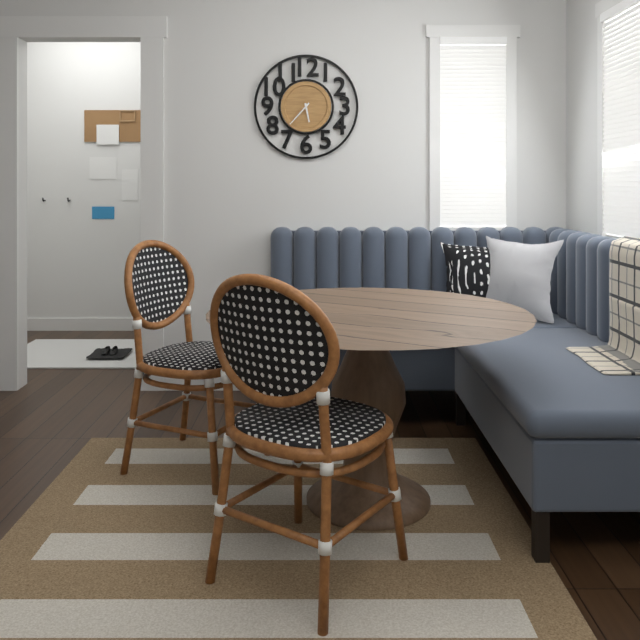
5:37
